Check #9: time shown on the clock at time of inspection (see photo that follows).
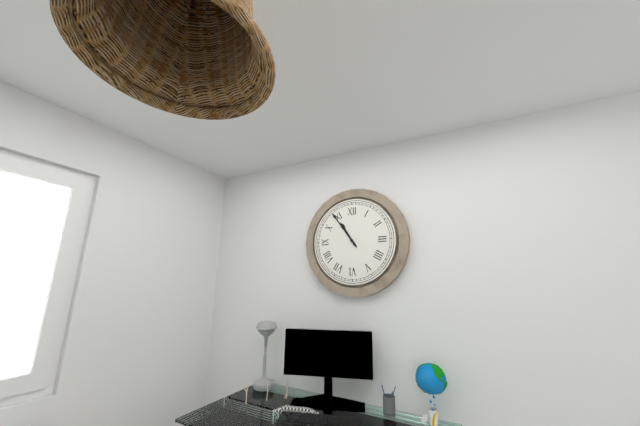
10:54
